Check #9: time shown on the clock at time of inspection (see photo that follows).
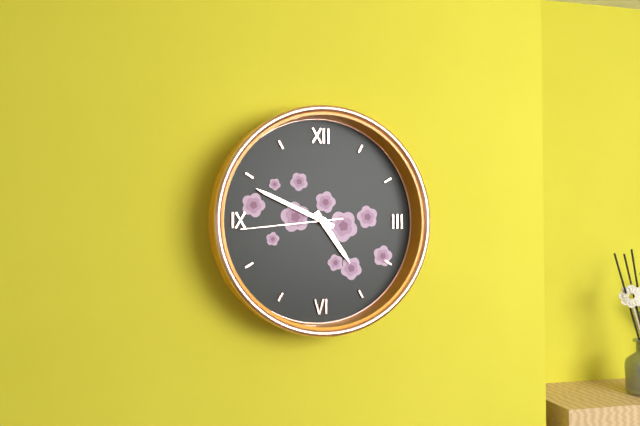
4:49:44
